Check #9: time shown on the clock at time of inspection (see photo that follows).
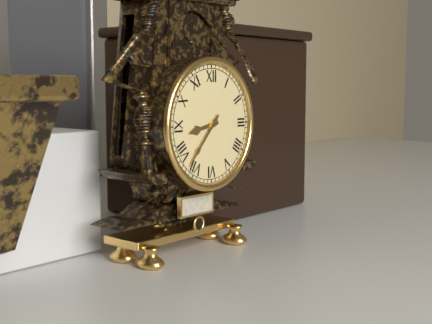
8:37
